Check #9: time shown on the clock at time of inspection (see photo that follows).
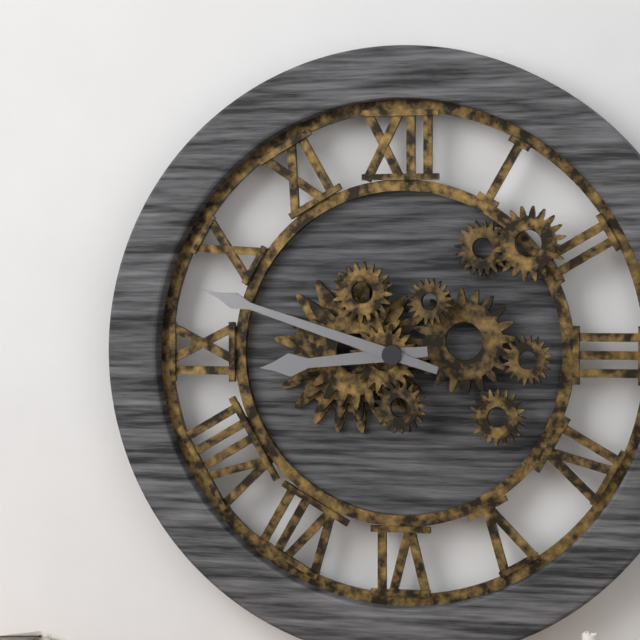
8:48
